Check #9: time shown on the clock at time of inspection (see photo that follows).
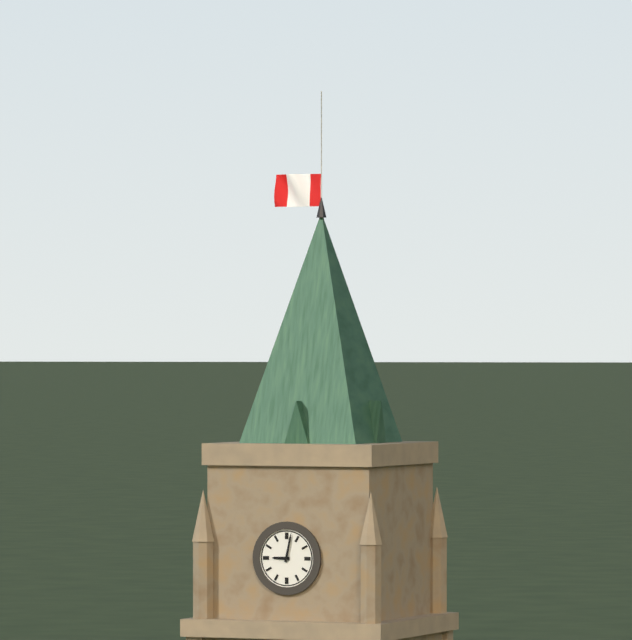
9:02
